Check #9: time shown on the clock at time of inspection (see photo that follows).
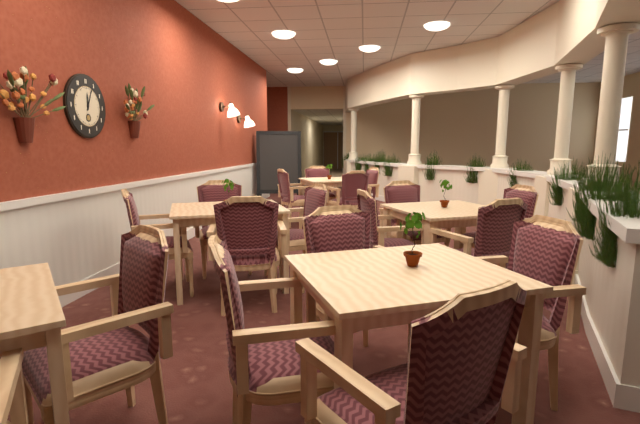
12:04
